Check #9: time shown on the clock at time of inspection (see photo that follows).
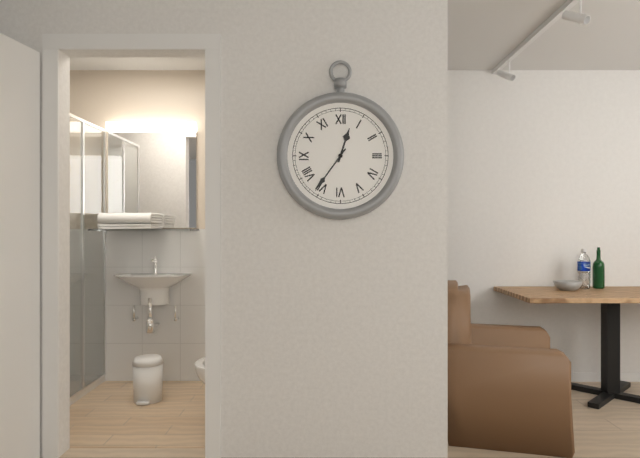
12:36
